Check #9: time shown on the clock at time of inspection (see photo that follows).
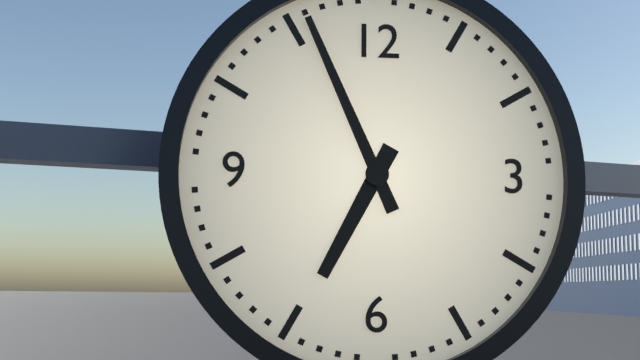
6:56
